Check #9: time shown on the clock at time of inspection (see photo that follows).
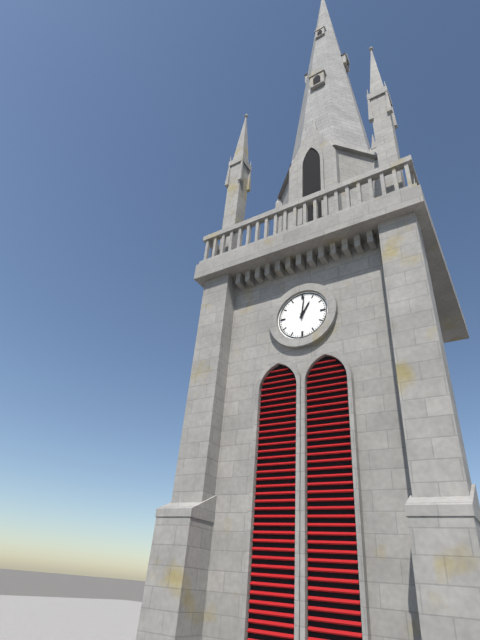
1:01
